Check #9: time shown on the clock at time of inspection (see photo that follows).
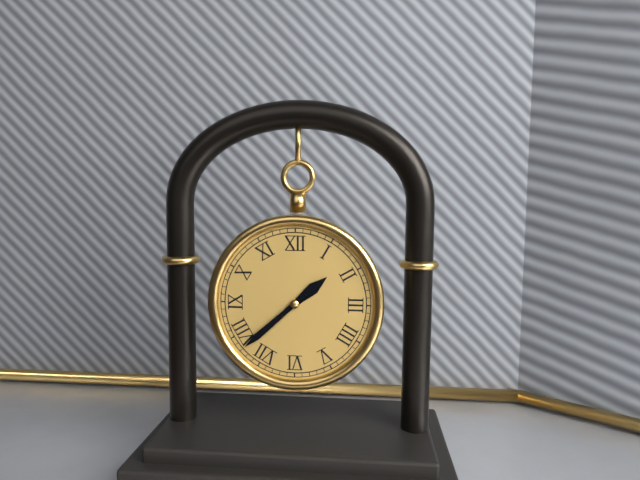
1:38
